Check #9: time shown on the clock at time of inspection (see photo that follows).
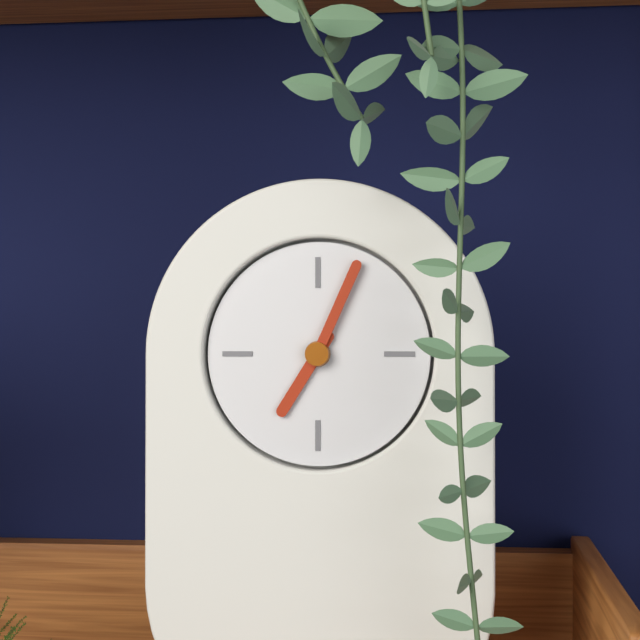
7:04
